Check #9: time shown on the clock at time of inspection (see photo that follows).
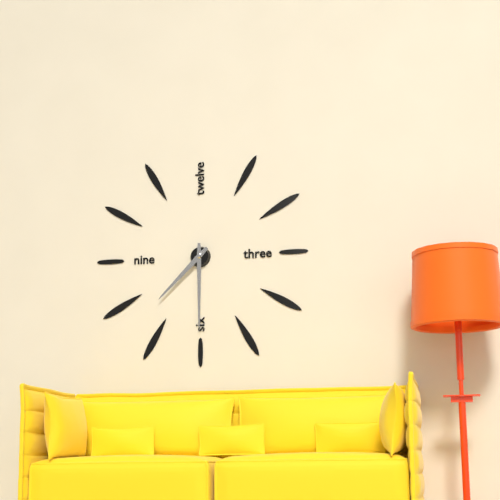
7:30
